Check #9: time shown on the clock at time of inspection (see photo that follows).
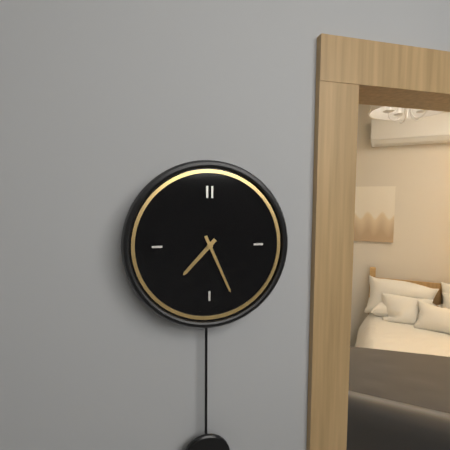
7:26
